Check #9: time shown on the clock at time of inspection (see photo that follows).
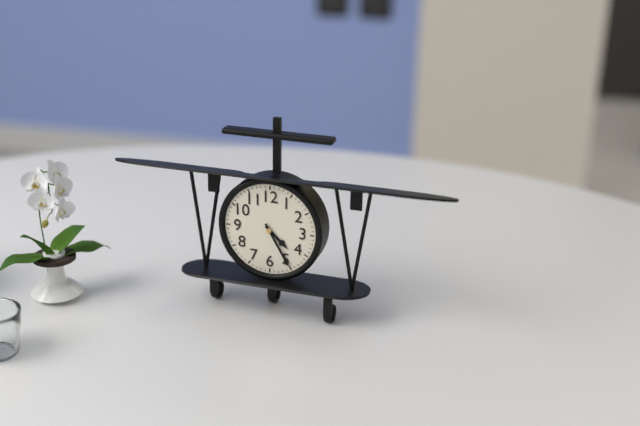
4:25
